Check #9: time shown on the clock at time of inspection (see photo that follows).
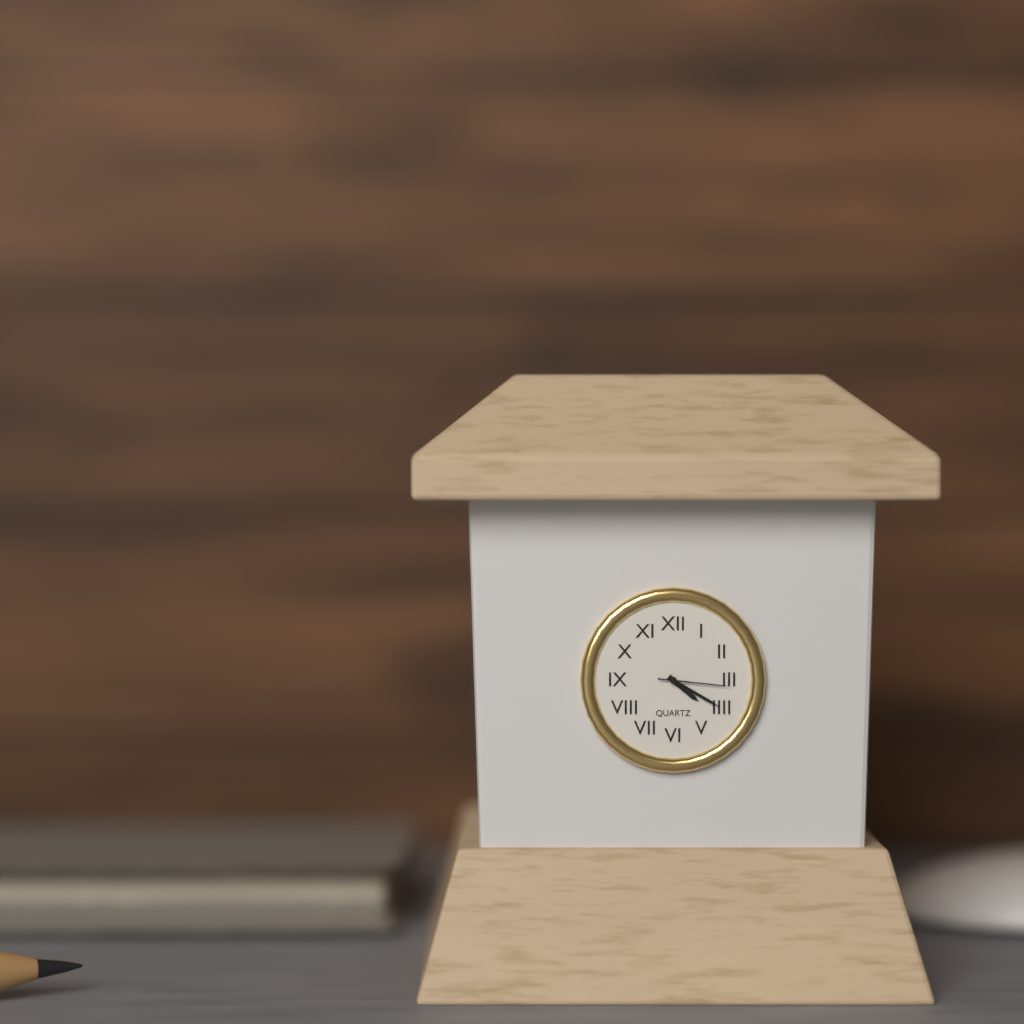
4:20:16
